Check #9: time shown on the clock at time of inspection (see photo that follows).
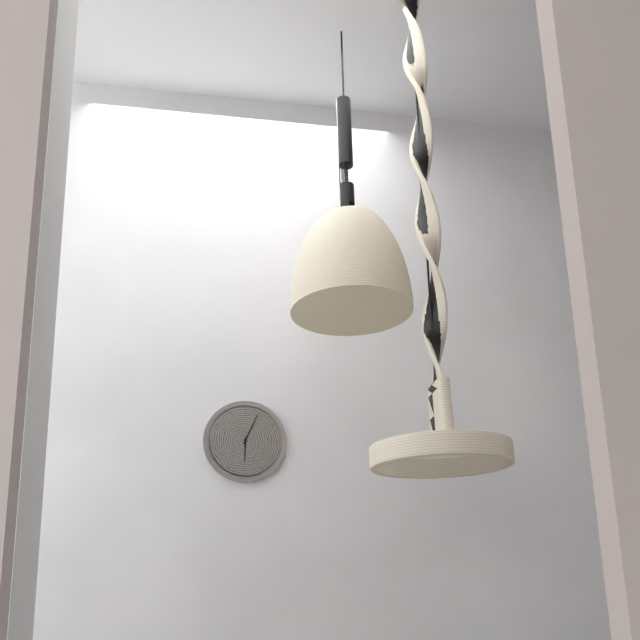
6:04
